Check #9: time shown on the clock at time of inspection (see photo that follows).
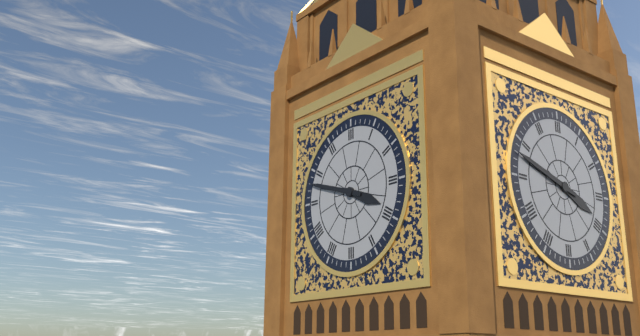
3:48
